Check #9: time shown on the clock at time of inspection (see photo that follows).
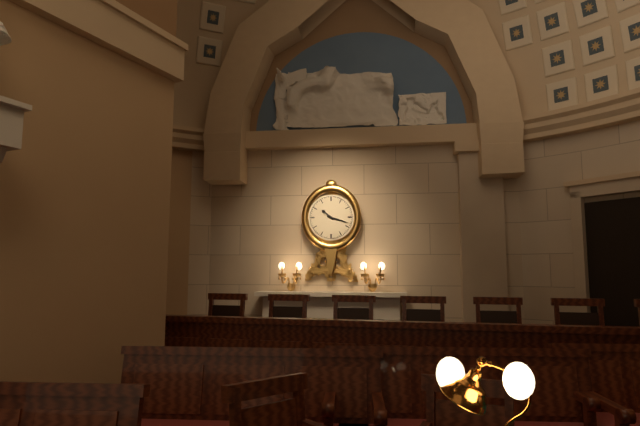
10:18
